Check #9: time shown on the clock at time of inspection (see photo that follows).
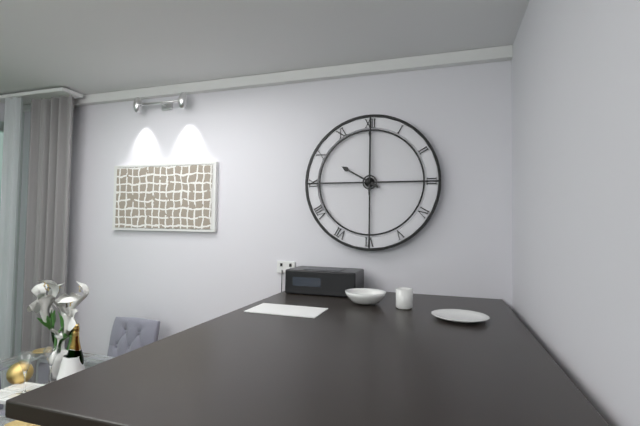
10:00
